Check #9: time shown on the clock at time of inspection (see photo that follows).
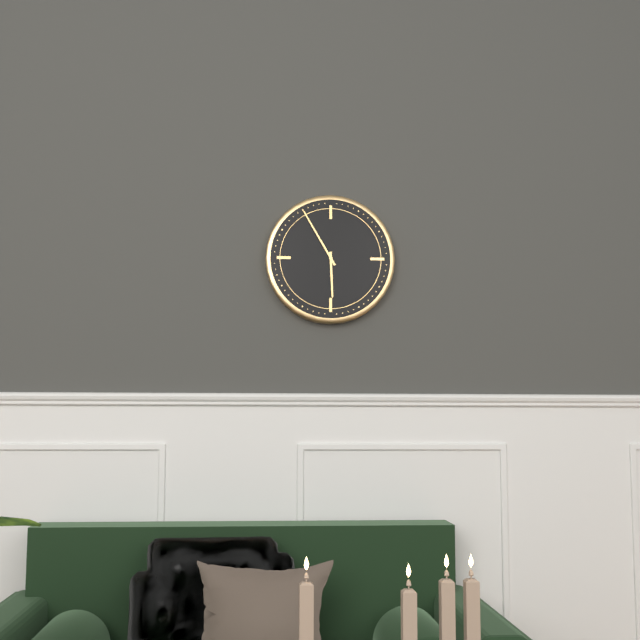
5:55
